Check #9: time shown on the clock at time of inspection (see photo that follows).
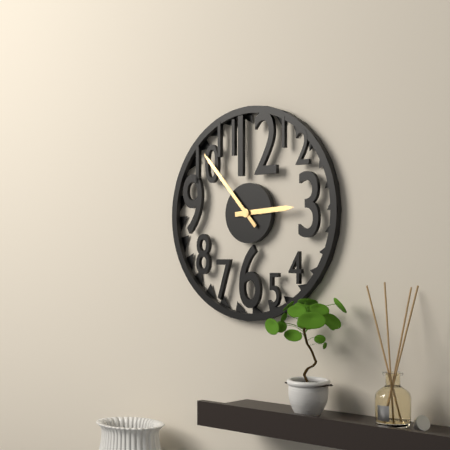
2:53
